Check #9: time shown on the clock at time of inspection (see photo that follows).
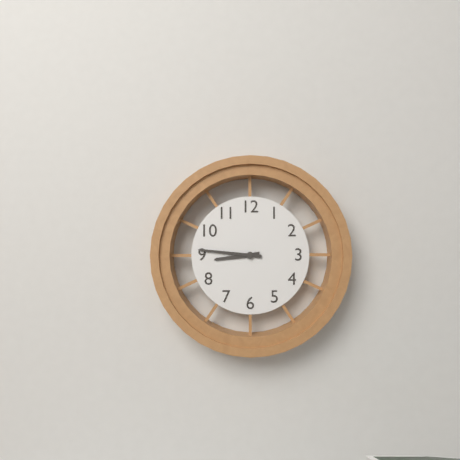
8:46
